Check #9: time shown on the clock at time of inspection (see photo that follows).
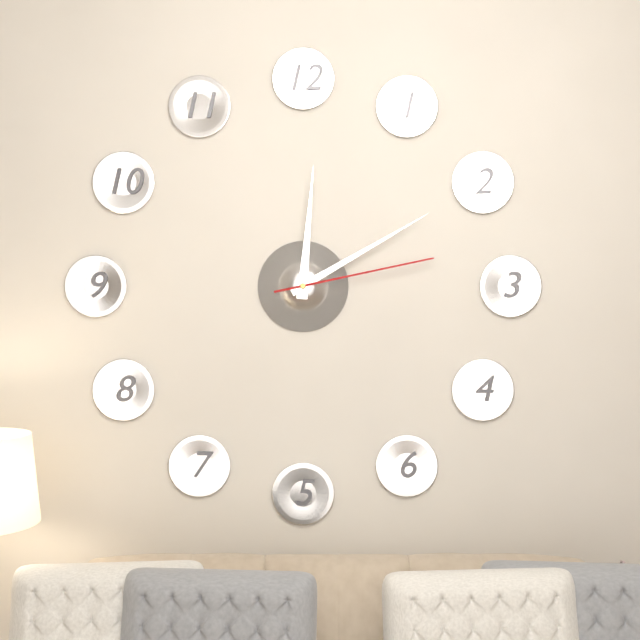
12:10:13
